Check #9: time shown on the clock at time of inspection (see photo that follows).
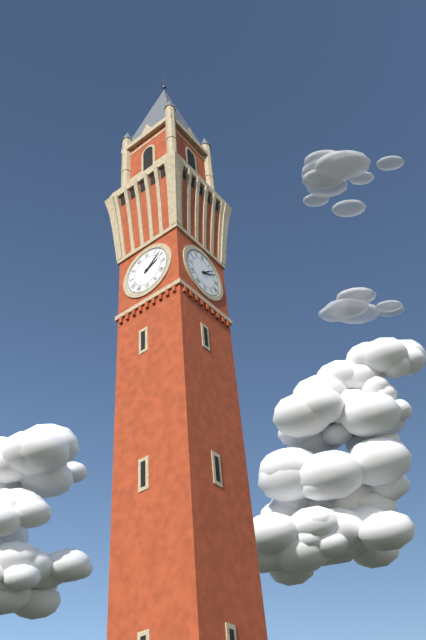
2:08
